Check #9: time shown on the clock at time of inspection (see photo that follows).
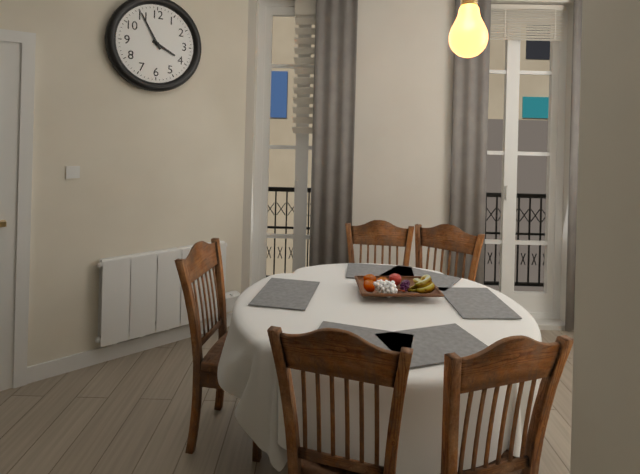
3:55
